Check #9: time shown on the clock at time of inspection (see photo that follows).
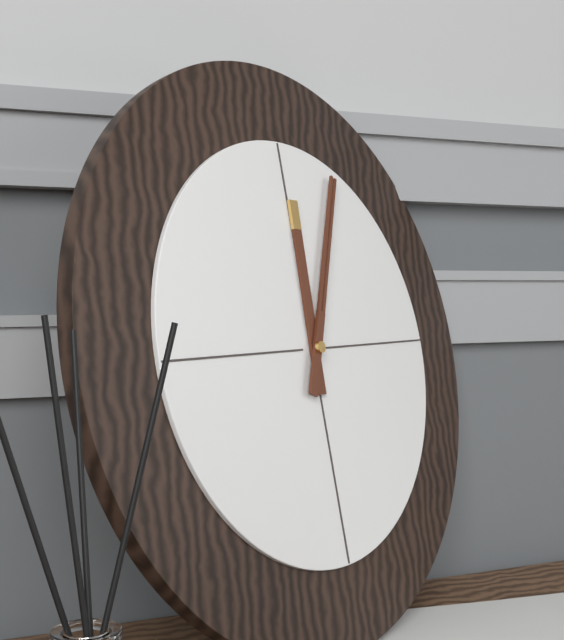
12:04
